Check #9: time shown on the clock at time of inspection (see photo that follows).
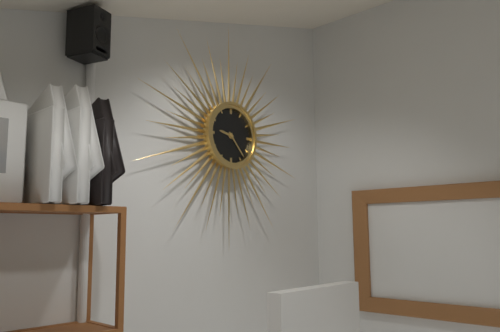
9:23
